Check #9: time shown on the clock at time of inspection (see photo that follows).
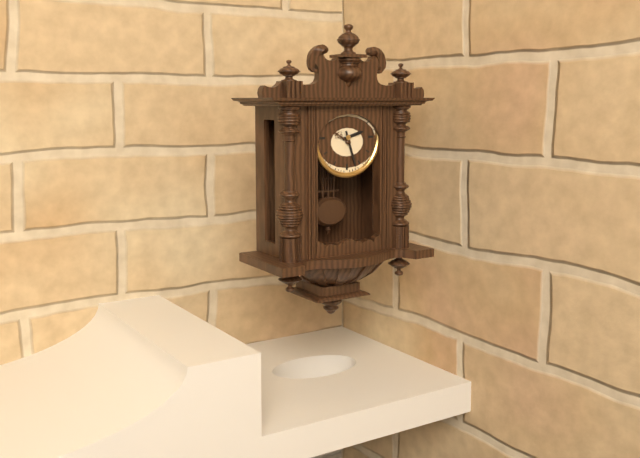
2:27
